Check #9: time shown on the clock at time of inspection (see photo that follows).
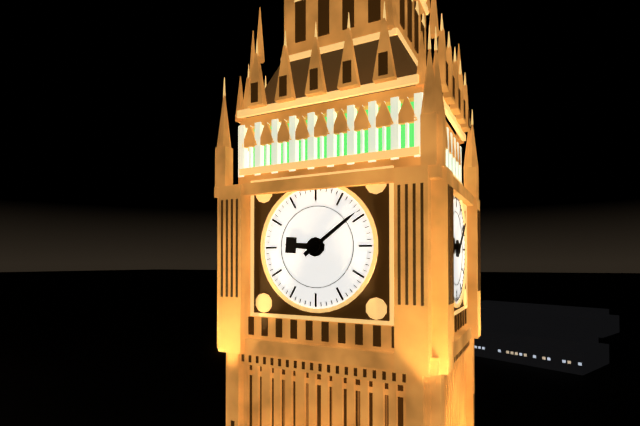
9:09
